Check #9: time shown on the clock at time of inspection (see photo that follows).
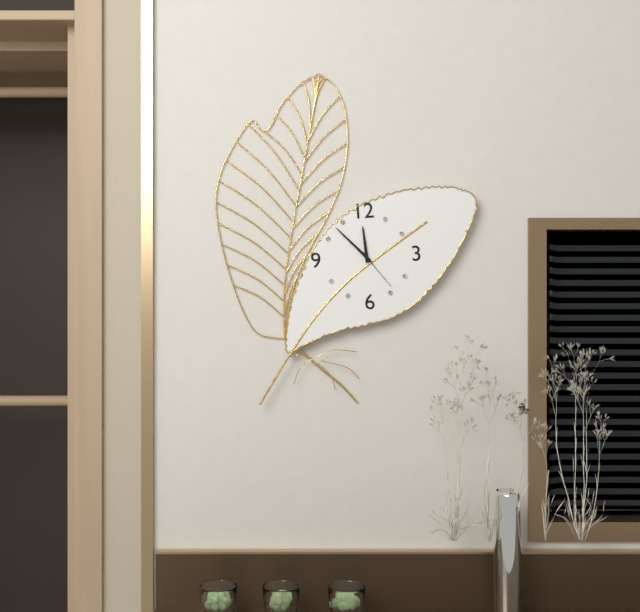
11:53:24
